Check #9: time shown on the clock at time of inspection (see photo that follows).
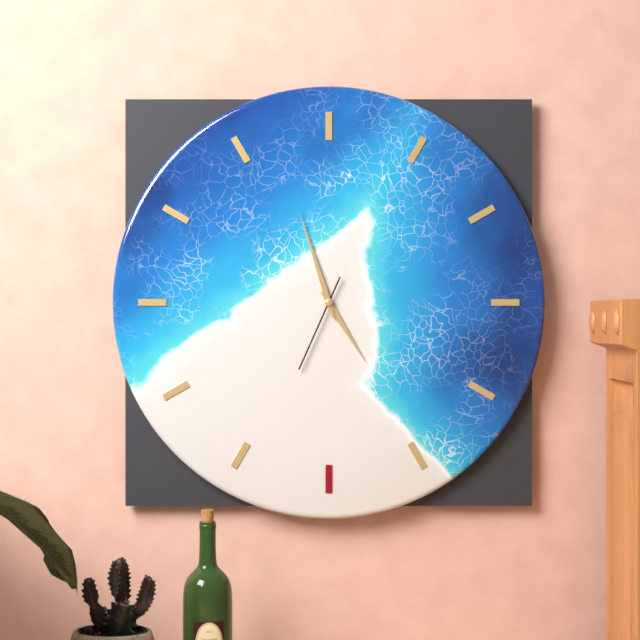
4:57:34
